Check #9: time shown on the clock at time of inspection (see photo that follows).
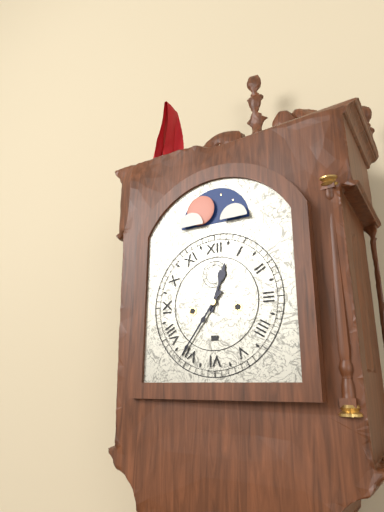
12:36
